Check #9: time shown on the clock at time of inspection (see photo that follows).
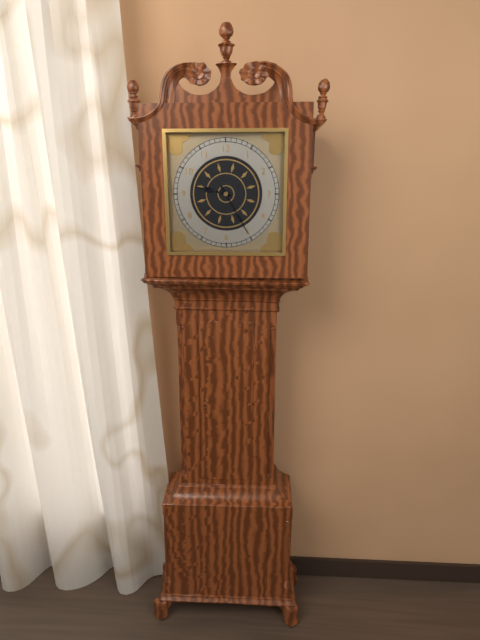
9:25
